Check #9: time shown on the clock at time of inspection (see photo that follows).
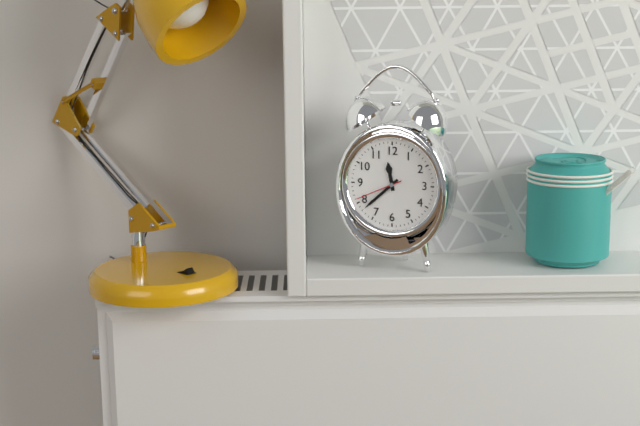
11:38
